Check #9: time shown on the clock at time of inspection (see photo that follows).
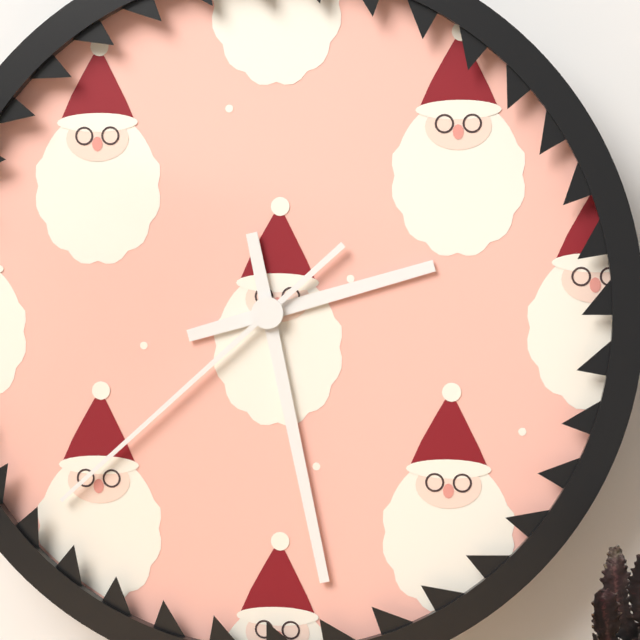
2:28:38
